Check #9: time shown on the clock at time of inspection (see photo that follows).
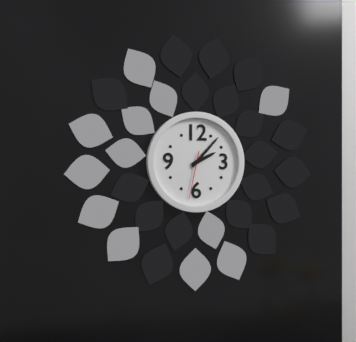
2:07
